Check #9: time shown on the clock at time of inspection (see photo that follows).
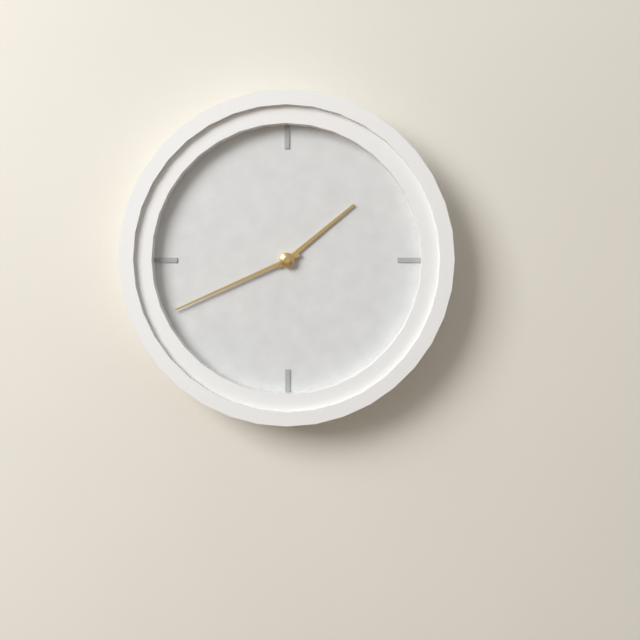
1:41
